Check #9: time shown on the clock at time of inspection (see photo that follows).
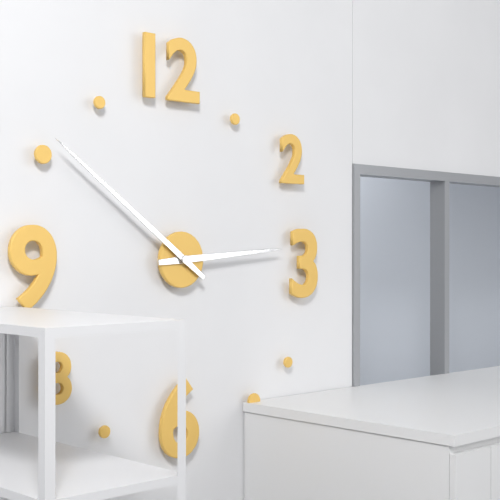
2:51
